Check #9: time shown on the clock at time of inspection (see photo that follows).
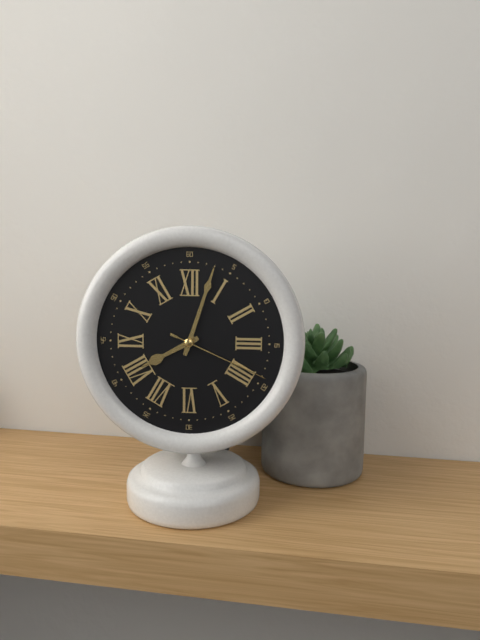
8:03:19
